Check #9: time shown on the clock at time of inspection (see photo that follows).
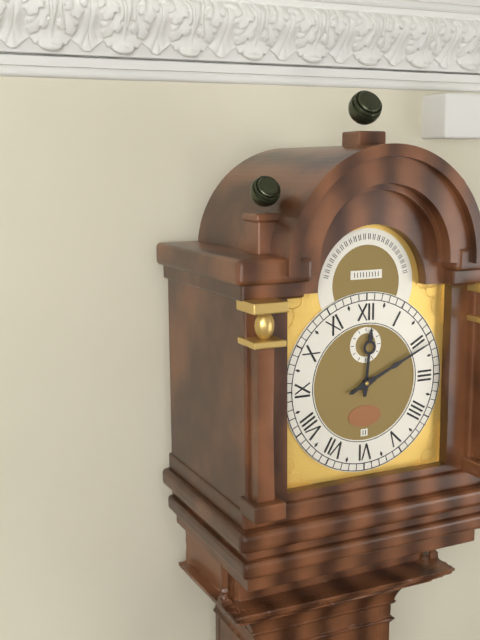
12:11
